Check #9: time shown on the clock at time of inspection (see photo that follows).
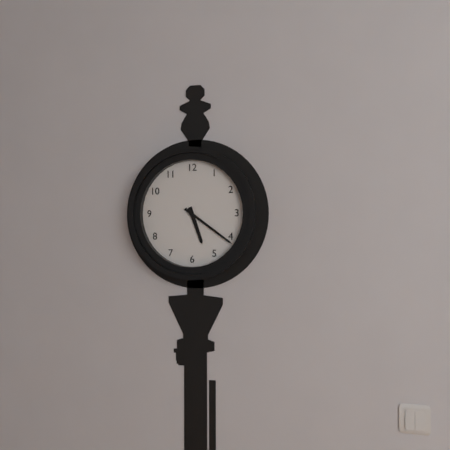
5:21
